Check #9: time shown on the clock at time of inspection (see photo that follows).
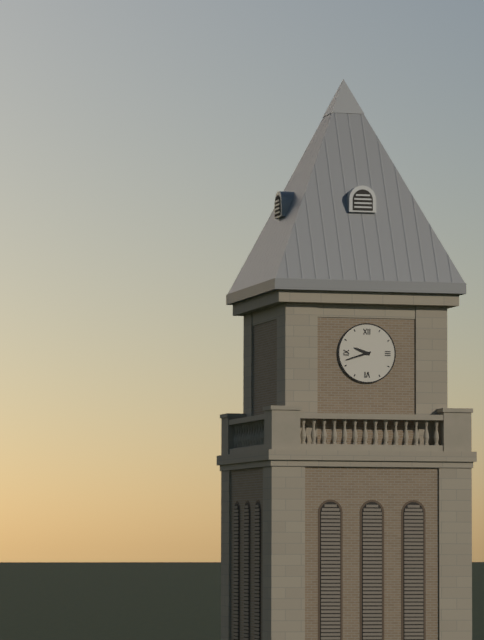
9:42
